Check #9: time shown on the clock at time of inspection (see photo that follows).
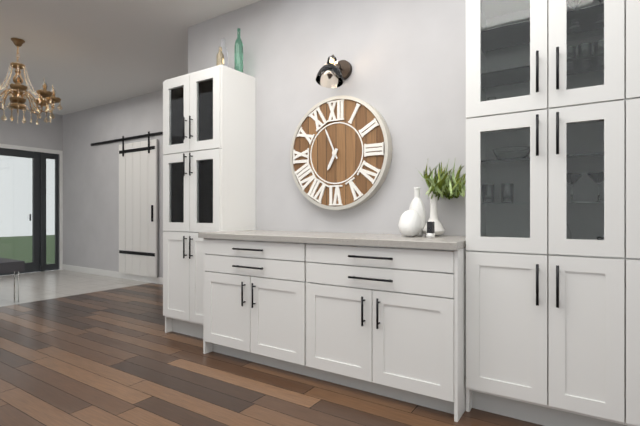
6:56
